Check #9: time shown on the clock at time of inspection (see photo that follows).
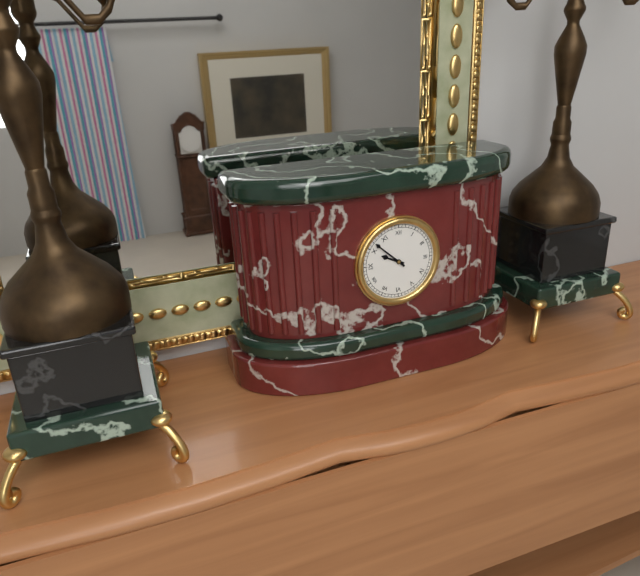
9:52
